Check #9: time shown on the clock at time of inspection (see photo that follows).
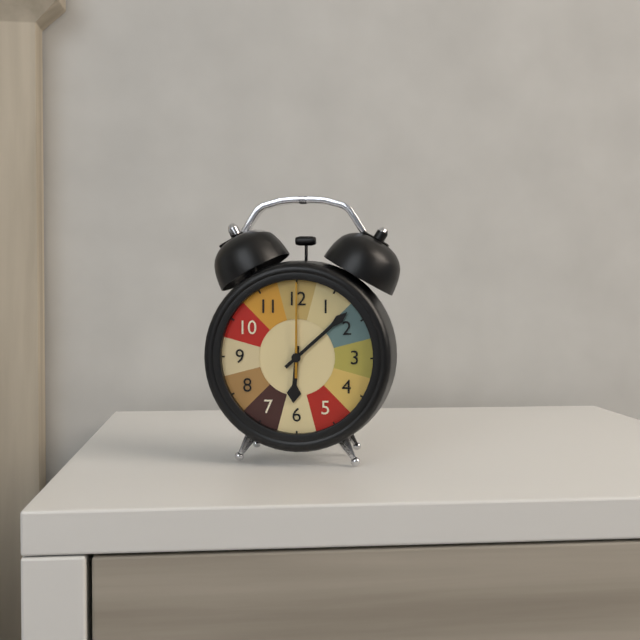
6:08:00
